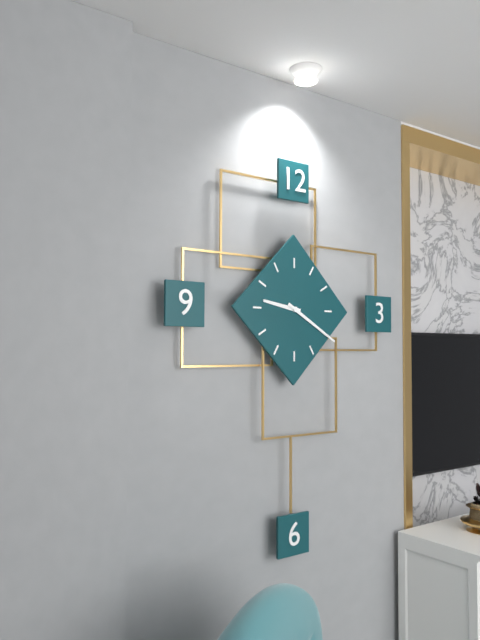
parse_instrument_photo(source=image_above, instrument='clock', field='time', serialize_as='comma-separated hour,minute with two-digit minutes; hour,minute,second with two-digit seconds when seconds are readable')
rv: 9,20
